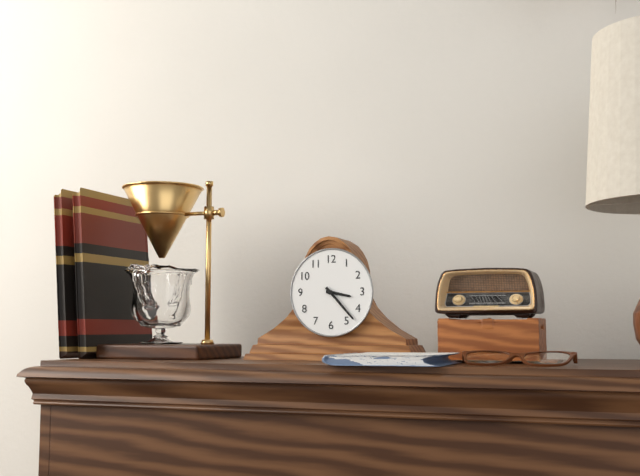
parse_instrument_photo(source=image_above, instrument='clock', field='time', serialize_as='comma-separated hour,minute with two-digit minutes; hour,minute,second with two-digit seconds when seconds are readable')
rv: 3,23
